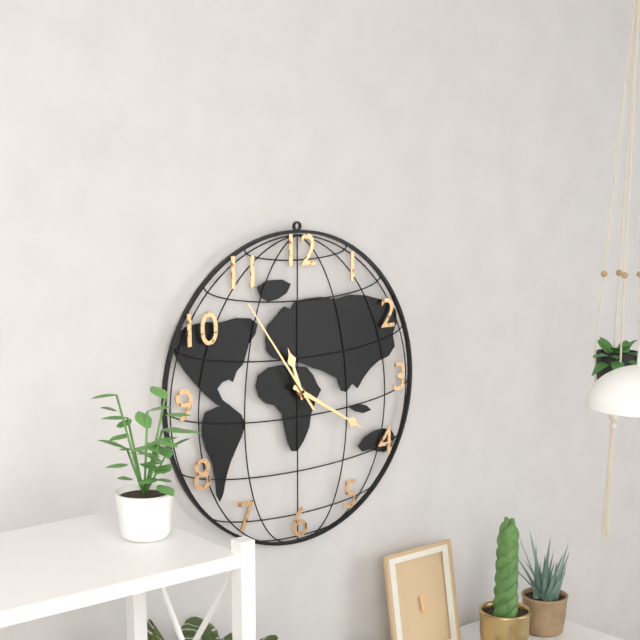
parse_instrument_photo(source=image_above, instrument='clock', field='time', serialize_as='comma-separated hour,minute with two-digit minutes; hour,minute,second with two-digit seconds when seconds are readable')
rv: 11,20,54
